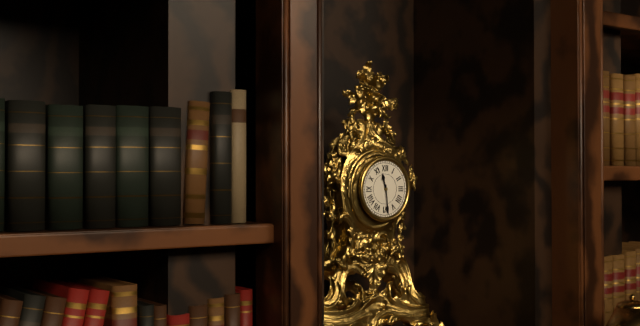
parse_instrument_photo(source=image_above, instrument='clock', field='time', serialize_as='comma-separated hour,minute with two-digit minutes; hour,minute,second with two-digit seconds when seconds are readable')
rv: 11,29
